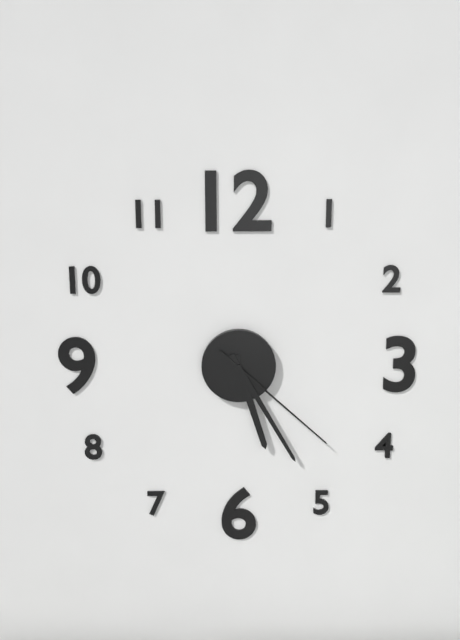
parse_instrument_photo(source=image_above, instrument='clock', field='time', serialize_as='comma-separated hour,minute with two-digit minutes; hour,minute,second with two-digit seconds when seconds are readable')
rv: 5,25,22
